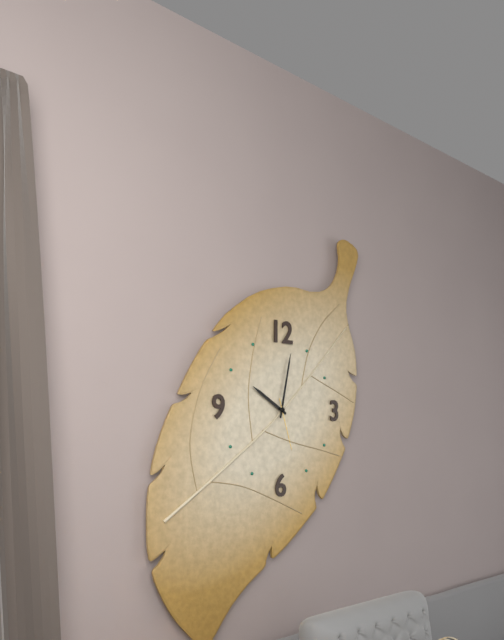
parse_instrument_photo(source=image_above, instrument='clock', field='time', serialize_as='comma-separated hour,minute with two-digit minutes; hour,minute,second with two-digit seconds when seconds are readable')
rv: 10,02,27
